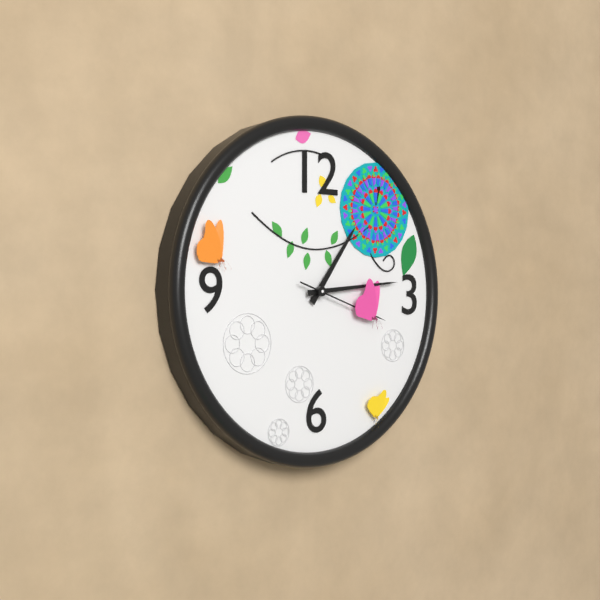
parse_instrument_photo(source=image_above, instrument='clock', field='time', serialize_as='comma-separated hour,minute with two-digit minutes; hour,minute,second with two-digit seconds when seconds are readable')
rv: 1,14,18
